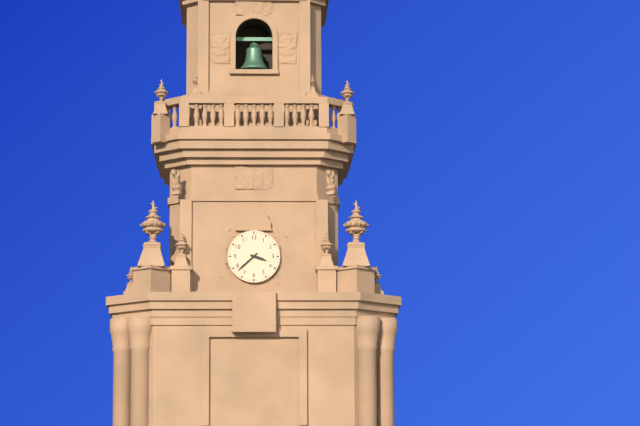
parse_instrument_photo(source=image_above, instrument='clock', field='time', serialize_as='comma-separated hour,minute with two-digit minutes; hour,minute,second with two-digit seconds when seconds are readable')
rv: 3,38
